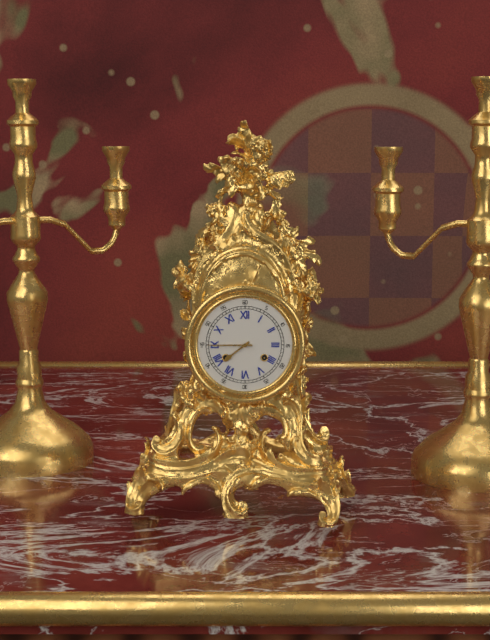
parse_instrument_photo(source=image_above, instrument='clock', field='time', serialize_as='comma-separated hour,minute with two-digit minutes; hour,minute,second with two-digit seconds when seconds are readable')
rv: 7,45
